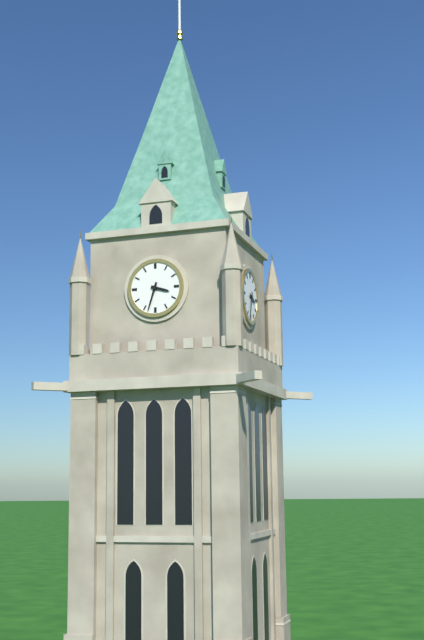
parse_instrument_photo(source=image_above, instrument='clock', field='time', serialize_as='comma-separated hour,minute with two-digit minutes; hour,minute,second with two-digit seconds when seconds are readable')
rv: 3,33
